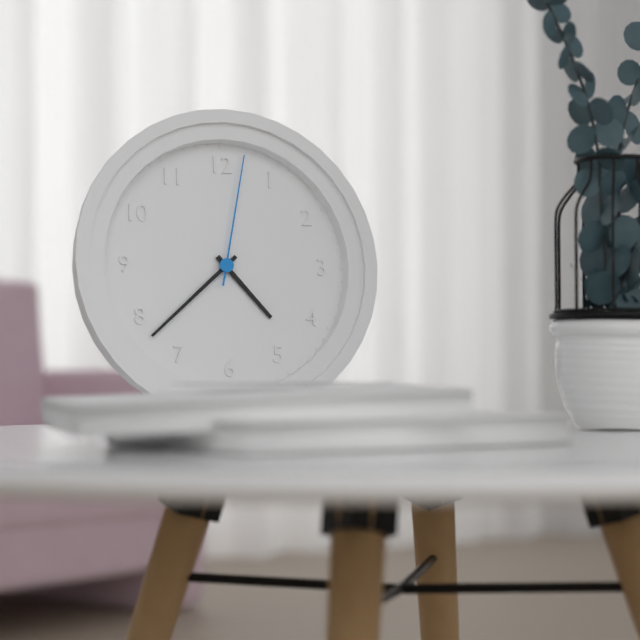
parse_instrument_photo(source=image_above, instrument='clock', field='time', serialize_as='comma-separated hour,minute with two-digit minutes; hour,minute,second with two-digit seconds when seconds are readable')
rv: 4,38,02
